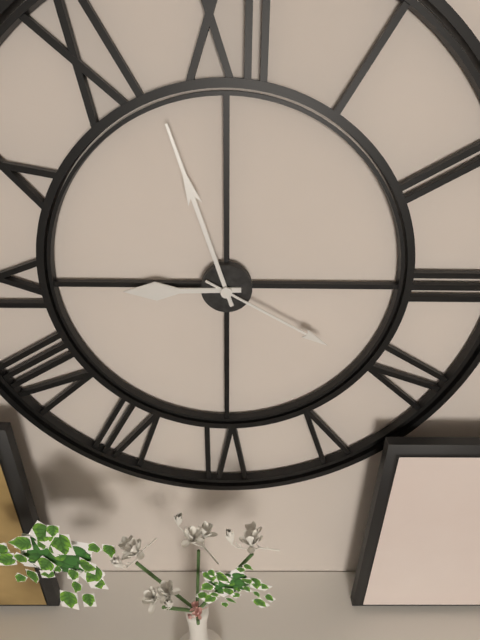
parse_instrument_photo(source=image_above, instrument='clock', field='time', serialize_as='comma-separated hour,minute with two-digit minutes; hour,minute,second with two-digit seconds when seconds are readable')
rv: 8,57,20
